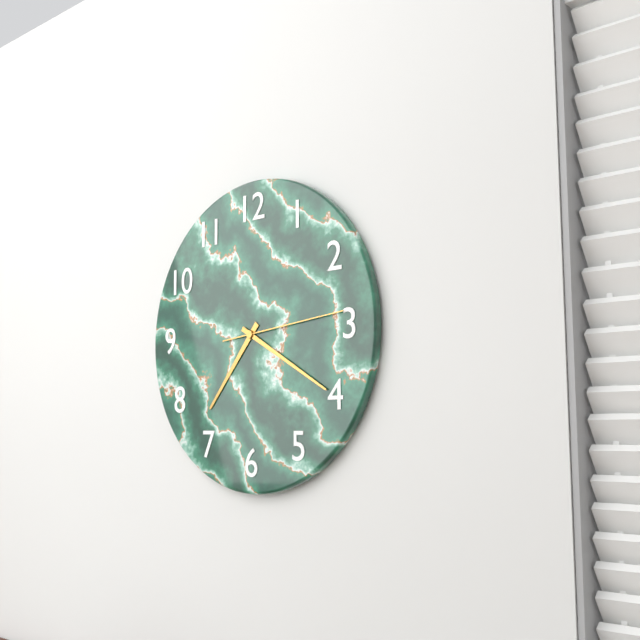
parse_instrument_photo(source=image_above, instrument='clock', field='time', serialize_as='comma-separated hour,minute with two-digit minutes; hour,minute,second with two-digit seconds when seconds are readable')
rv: 7,20,14
